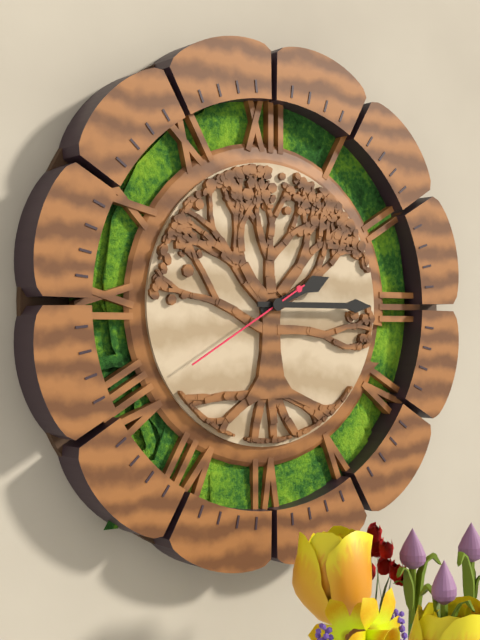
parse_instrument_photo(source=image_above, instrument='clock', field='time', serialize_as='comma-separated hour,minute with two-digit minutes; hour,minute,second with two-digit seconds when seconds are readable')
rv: 2,15,40
